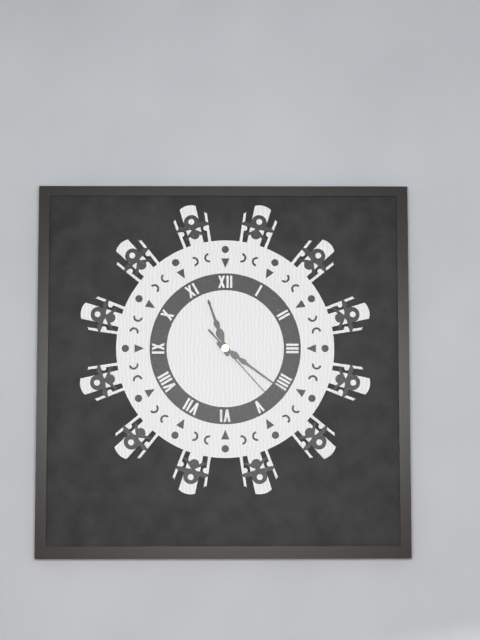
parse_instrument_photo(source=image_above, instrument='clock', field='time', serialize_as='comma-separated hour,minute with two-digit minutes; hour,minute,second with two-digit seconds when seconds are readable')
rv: 11,21,23
